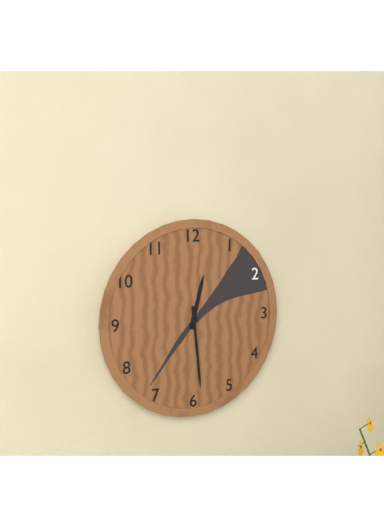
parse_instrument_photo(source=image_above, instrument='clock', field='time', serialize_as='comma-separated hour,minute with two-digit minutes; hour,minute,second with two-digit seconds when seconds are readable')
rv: 12,29
